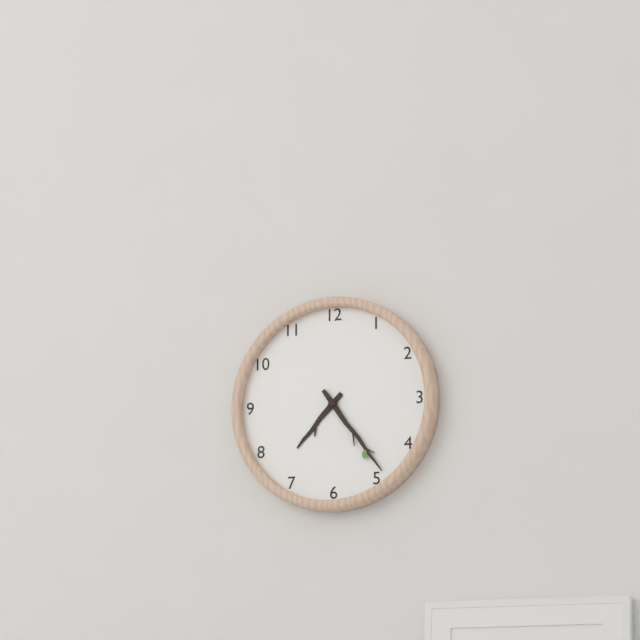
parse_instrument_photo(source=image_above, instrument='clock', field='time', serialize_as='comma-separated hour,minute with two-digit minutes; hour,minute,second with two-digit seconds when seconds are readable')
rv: 7,24
